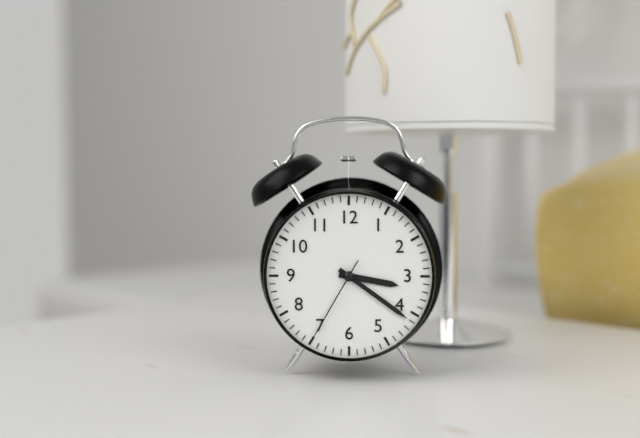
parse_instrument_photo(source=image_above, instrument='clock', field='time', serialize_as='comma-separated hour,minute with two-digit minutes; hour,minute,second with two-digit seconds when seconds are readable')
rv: 3,21,35
